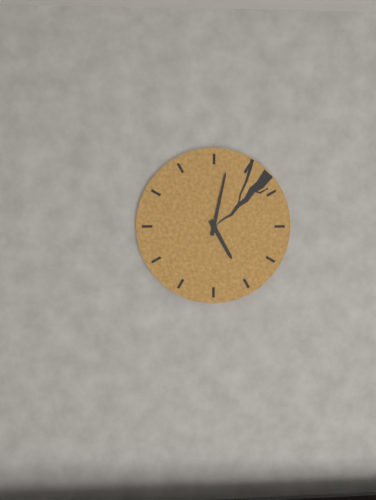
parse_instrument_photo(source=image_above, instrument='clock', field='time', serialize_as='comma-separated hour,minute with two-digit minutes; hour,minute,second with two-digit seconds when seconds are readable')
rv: 5,02
